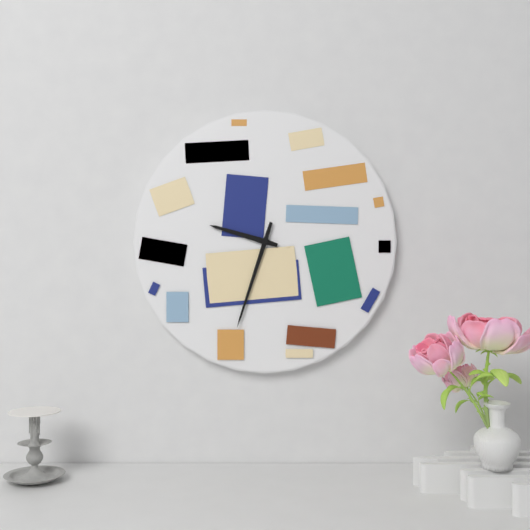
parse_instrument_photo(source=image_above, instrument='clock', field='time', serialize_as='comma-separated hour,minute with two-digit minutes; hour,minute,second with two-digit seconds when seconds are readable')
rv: 9,33
